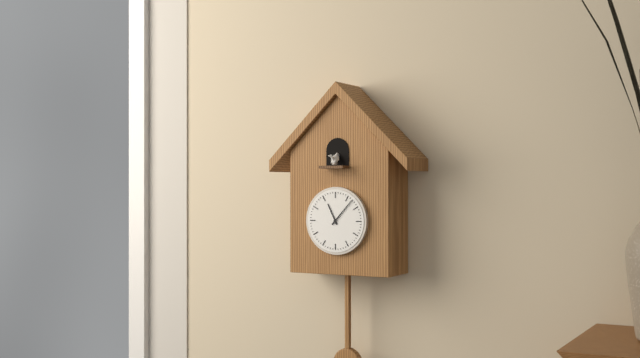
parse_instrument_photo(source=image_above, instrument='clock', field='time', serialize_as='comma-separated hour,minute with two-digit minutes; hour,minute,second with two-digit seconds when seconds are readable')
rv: 11,07
